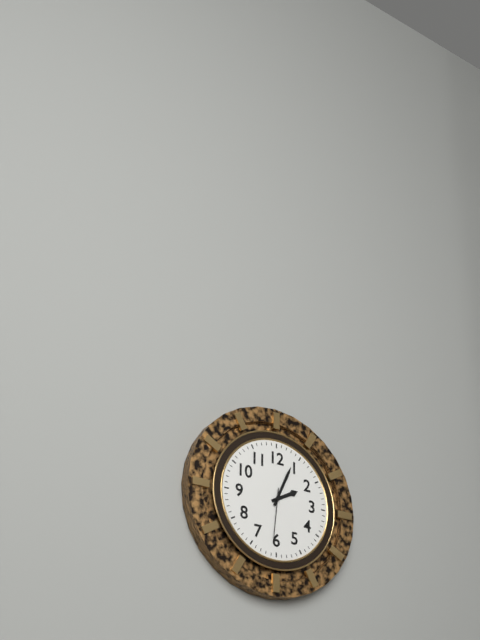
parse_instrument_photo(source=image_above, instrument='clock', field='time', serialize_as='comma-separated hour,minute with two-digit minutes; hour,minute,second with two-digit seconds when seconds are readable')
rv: 2,04,31
